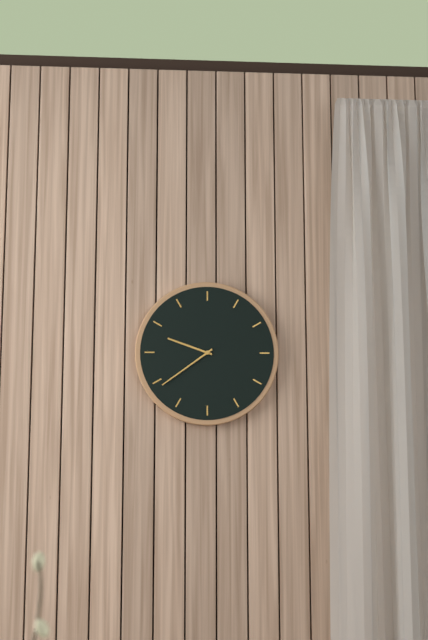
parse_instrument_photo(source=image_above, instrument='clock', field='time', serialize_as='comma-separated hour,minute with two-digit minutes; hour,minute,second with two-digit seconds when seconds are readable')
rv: 9,39
